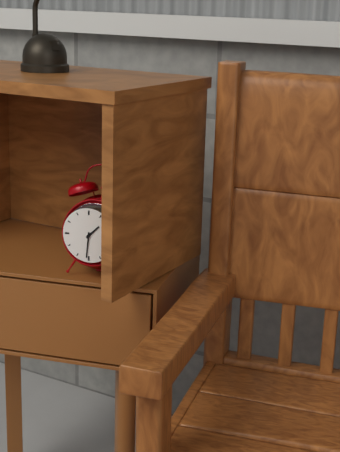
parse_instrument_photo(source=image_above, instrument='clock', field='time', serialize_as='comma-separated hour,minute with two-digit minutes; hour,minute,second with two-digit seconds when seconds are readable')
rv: 1,31
